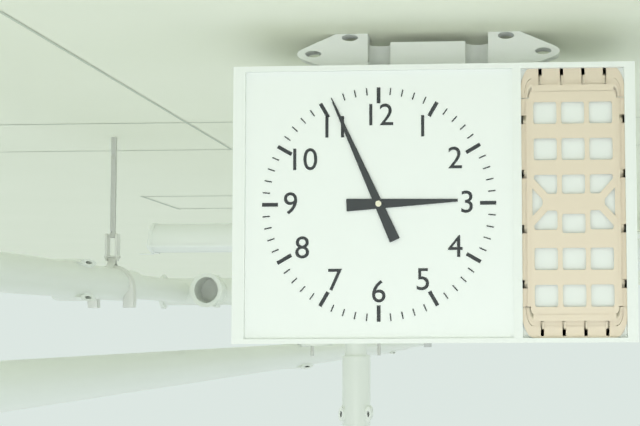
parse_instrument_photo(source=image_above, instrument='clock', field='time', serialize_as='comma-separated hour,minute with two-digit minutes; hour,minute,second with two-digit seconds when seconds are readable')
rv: 2,56
